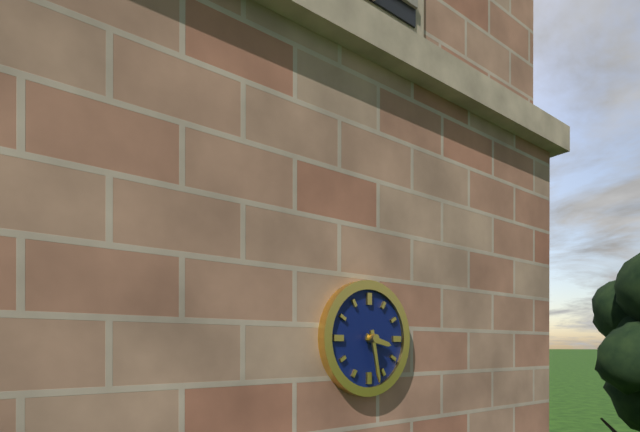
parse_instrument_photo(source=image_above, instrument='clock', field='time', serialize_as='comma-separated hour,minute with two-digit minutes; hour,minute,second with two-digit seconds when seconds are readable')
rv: 3,28
